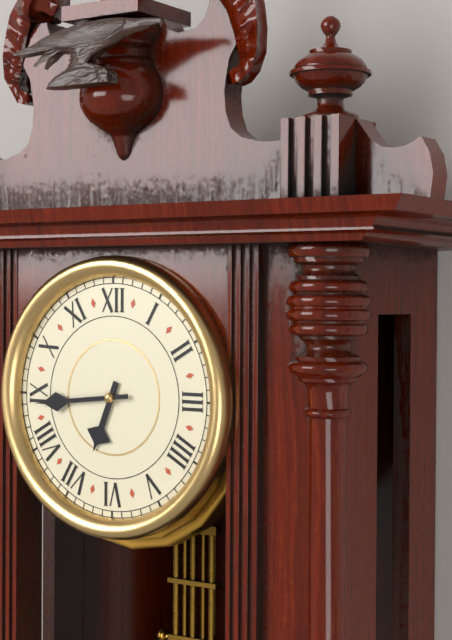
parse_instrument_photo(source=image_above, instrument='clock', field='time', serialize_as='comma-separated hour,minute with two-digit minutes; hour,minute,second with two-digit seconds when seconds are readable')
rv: 6,44
